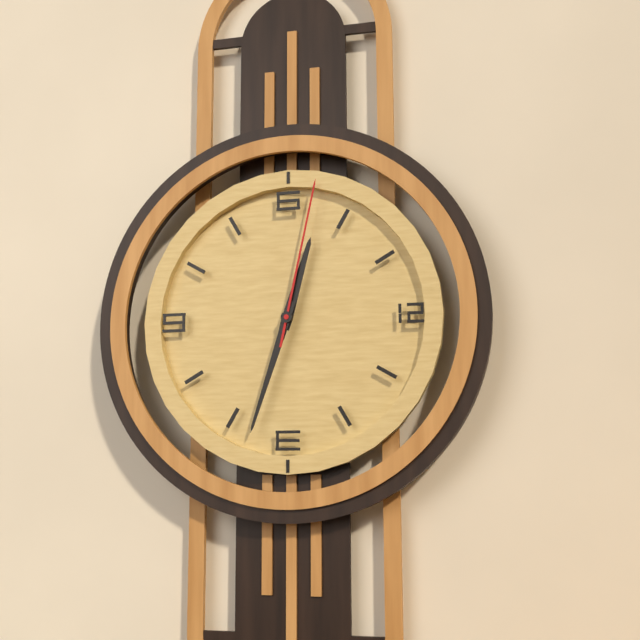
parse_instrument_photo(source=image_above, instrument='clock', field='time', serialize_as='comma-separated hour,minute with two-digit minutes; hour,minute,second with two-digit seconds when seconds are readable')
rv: 12,33,02
